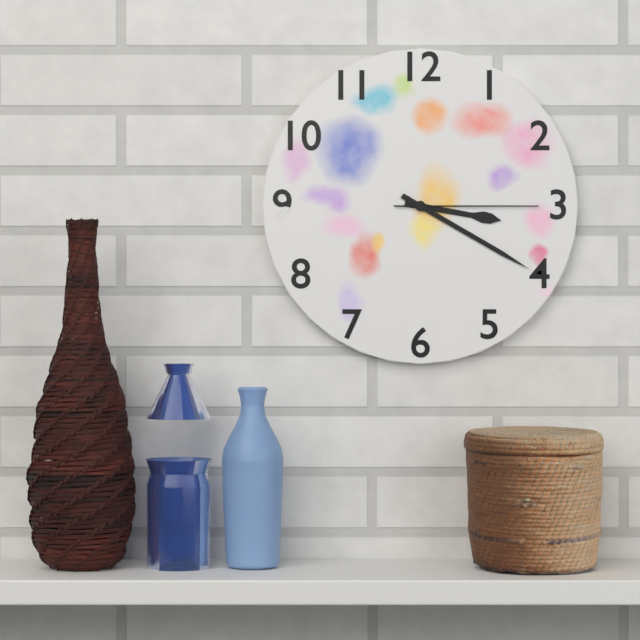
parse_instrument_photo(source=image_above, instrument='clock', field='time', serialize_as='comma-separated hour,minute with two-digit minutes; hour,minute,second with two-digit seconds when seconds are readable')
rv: 3,20,15
